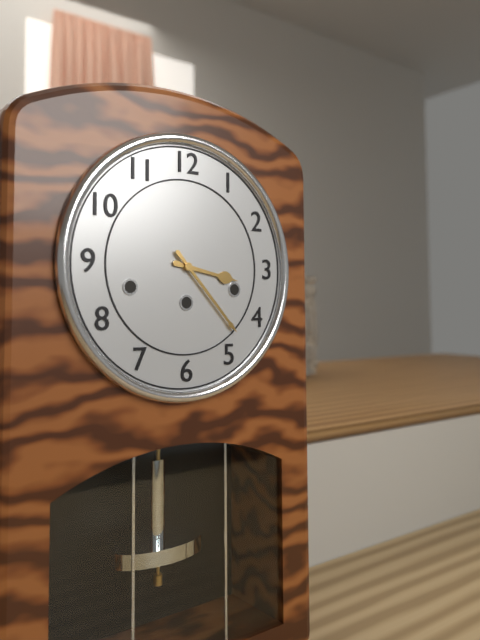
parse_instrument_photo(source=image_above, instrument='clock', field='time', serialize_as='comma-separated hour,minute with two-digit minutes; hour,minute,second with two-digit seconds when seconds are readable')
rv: 3,23
